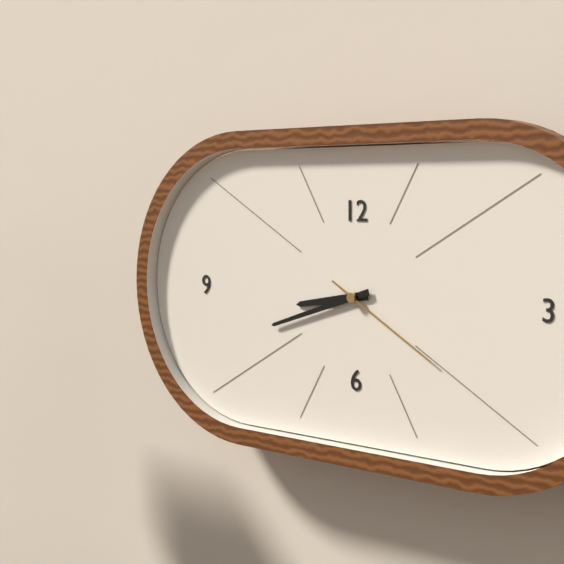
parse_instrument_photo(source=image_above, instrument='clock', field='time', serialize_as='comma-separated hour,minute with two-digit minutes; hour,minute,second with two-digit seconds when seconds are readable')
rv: 8,42,20
